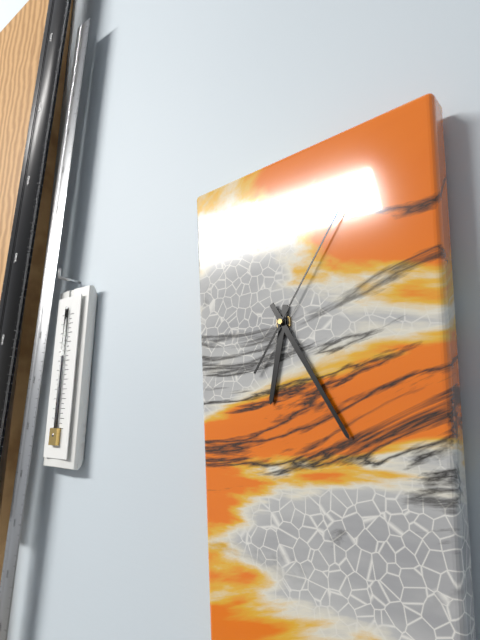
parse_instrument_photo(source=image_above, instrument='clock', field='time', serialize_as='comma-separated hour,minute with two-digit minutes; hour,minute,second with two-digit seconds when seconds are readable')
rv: 6,25,06
